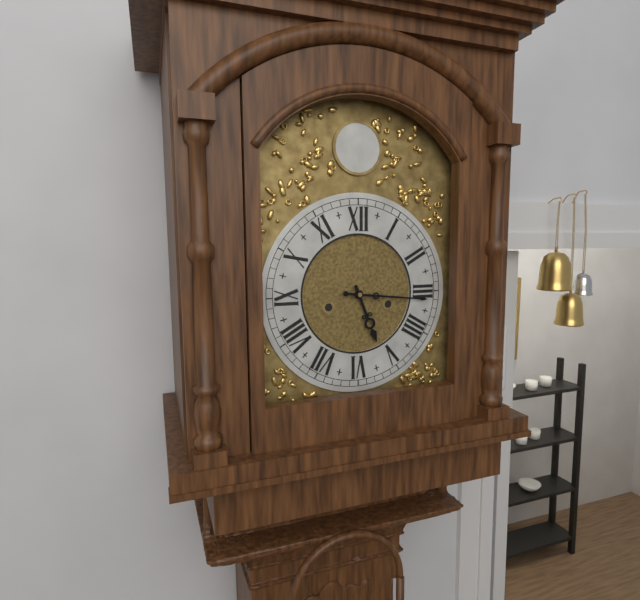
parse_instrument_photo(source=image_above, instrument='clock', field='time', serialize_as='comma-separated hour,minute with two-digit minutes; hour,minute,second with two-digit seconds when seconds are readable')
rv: 5,16
